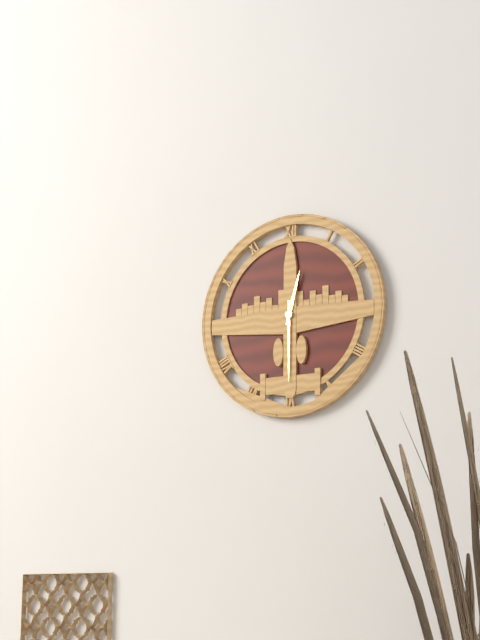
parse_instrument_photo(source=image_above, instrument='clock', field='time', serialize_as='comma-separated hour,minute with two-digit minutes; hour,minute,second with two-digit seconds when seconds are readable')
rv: 12,30
